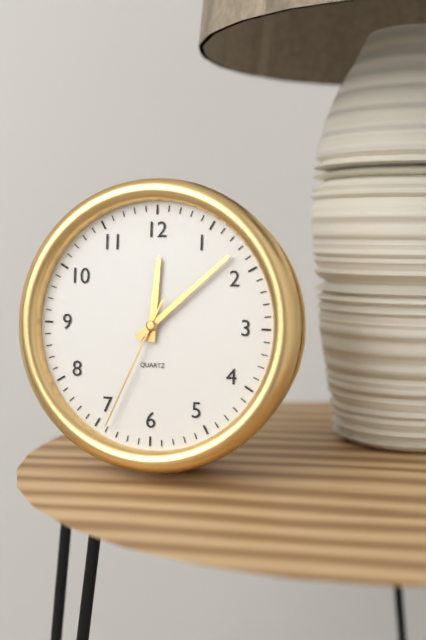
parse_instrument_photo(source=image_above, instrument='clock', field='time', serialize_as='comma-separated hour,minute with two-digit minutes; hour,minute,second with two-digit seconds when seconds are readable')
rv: 12,08,34
